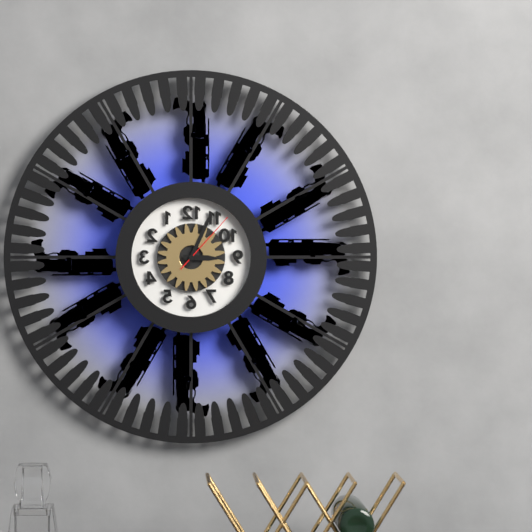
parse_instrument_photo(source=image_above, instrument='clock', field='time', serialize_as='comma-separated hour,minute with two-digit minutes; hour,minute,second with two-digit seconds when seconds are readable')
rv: 3,04,07
